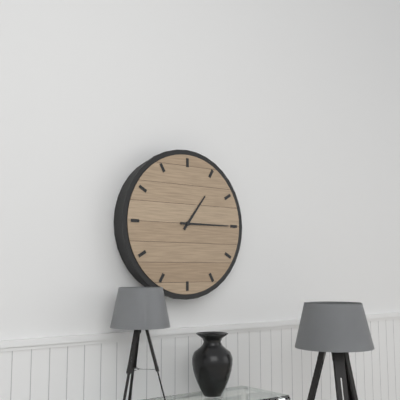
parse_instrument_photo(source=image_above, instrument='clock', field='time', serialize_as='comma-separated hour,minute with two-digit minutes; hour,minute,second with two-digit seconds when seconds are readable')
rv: 1,15
